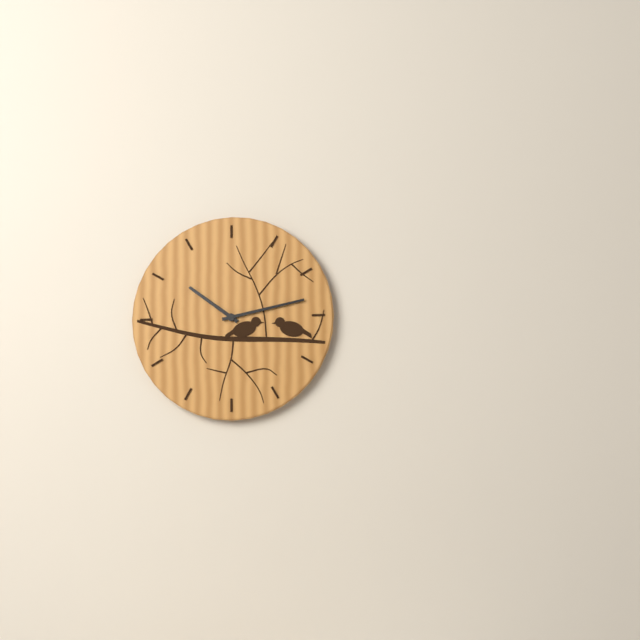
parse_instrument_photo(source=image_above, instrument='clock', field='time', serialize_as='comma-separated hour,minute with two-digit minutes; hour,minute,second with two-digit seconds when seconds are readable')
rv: 10,13
